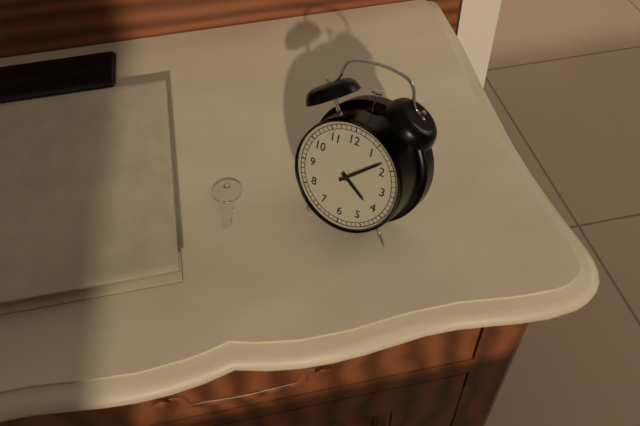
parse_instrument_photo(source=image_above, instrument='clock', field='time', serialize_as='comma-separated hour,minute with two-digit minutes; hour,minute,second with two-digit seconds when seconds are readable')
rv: 4,08
